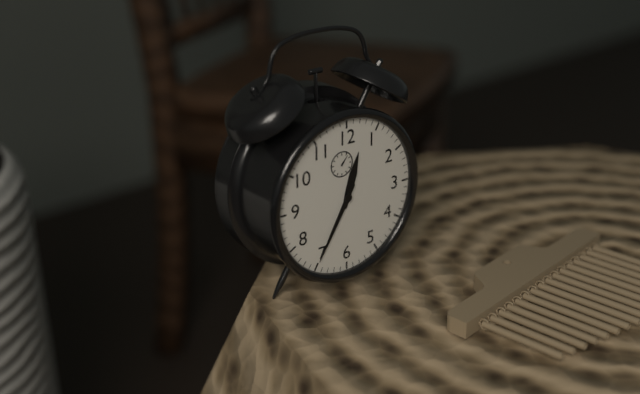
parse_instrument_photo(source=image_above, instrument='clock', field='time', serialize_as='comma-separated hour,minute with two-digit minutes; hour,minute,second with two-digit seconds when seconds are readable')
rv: 12,35
